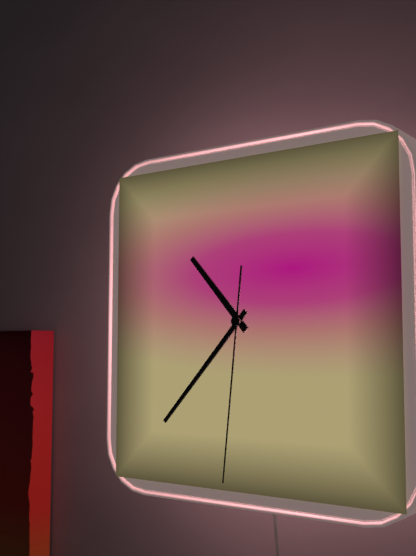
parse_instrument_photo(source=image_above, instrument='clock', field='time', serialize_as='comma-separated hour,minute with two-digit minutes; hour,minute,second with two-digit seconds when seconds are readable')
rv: 10,37,31
